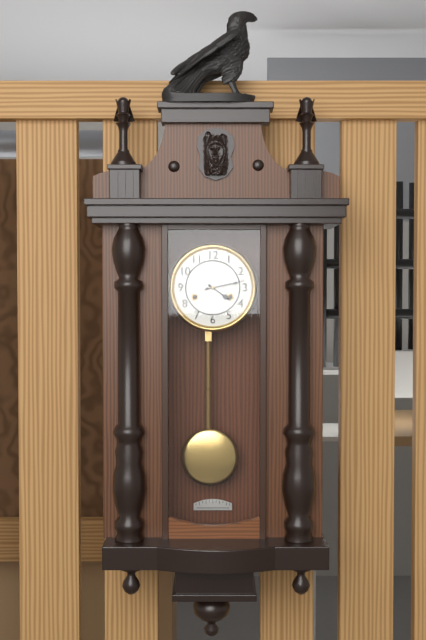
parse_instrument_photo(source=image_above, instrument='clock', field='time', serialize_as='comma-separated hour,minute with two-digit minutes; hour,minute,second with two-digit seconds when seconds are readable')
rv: 4,13
